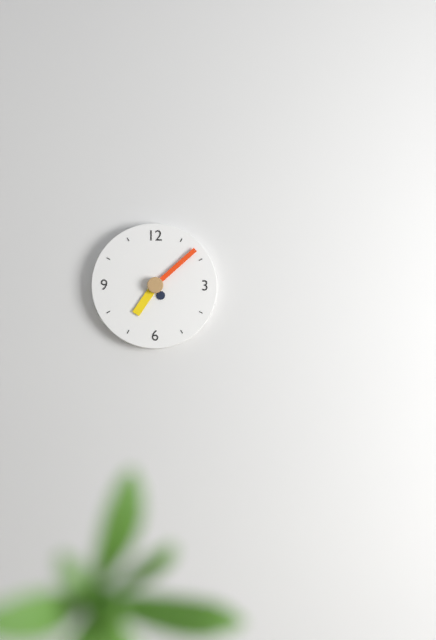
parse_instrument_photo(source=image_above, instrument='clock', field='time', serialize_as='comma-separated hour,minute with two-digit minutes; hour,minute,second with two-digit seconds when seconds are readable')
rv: 7,08
